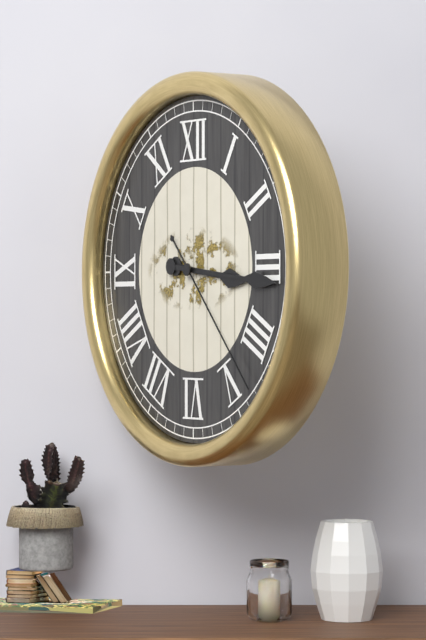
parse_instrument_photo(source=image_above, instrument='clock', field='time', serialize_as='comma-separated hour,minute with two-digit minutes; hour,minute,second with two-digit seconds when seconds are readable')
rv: 3,16,23
